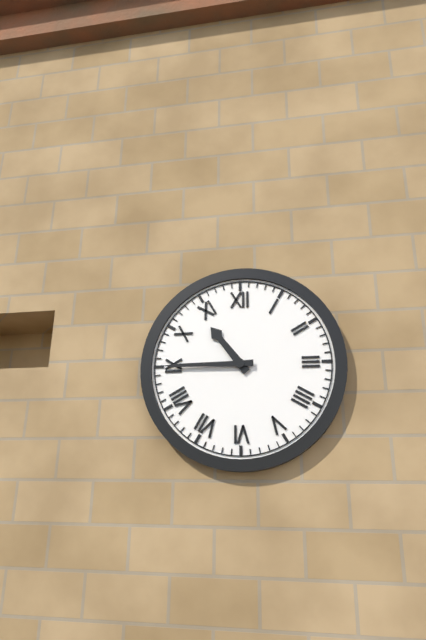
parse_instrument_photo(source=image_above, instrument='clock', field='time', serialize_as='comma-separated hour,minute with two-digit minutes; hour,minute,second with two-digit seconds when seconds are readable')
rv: 10,45
